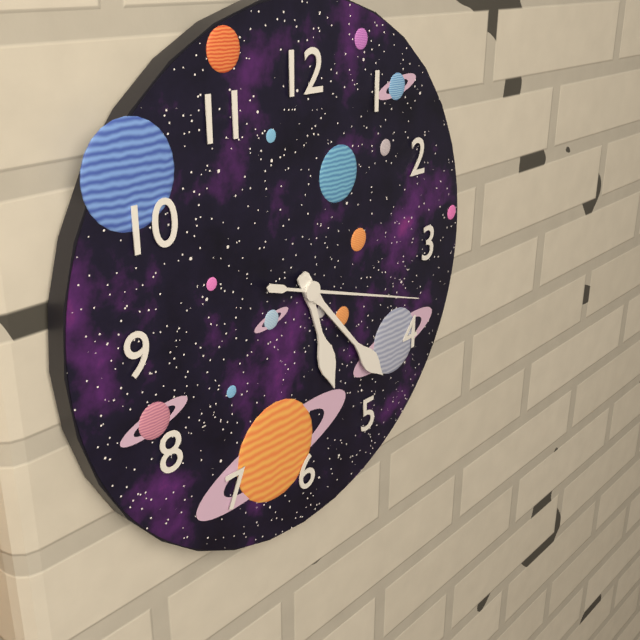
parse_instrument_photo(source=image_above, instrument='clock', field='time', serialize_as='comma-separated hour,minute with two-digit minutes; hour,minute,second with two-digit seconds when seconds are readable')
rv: 5,23,18
